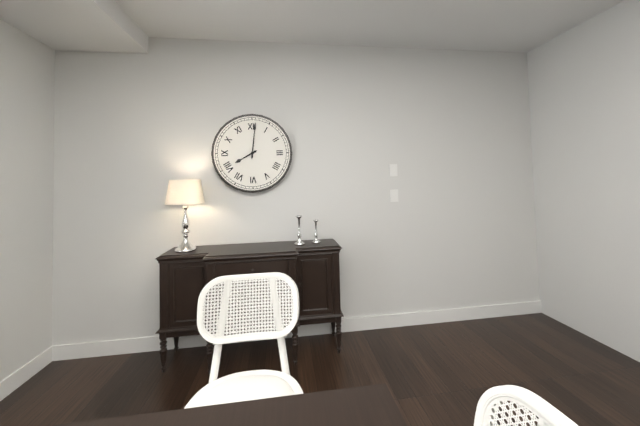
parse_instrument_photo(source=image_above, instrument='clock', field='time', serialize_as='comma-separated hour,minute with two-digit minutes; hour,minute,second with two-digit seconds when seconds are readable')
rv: 8,01
